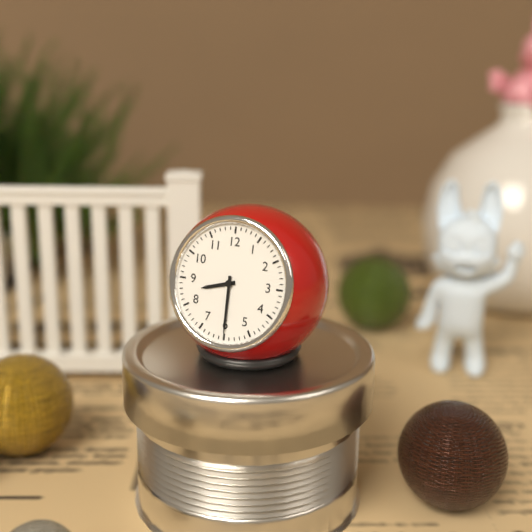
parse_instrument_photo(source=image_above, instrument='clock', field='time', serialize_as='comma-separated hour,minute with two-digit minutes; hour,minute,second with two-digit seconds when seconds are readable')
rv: 8,30
